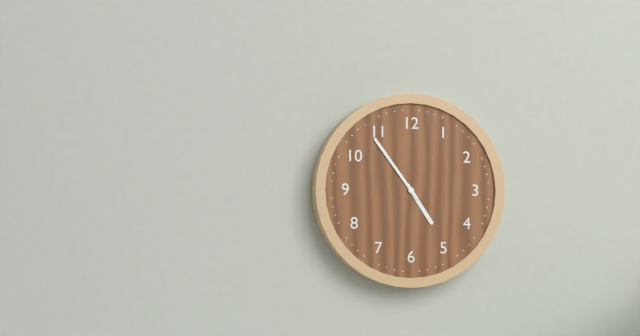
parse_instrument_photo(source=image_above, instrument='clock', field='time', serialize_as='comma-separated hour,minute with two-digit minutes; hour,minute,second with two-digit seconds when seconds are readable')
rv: 4,54
